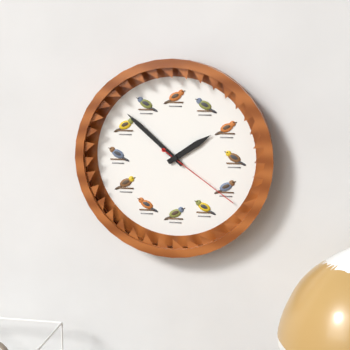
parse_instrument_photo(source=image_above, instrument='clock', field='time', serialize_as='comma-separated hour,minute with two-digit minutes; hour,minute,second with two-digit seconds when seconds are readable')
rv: 1,52,21
